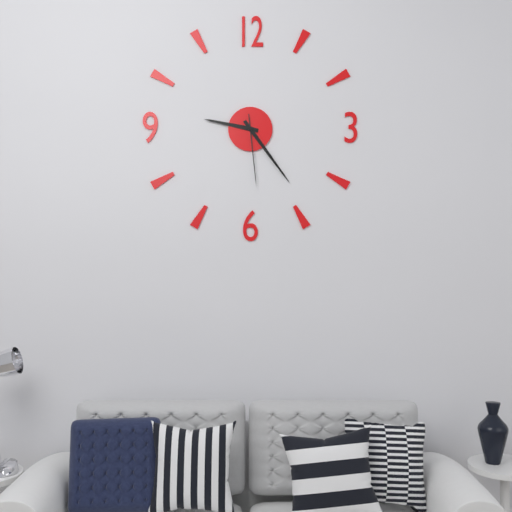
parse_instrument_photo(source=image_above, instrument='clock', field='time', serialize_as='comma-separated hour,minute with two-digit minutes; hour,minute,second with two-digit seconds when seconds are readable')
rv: 9,24,29
